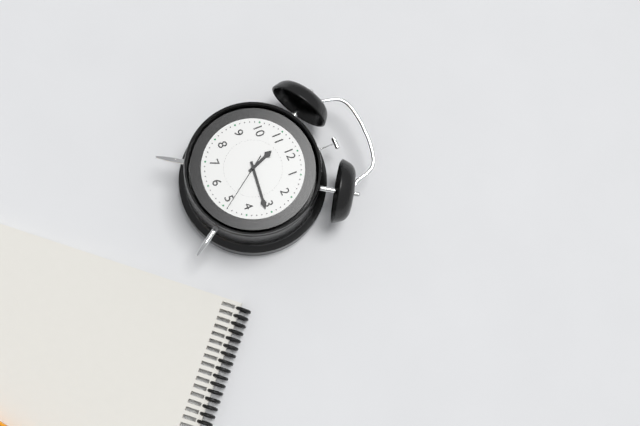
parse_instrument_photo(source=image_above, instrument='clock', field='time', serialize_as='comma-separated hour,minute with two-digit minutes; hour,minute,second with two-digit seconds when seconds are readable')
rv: 11,16,24
